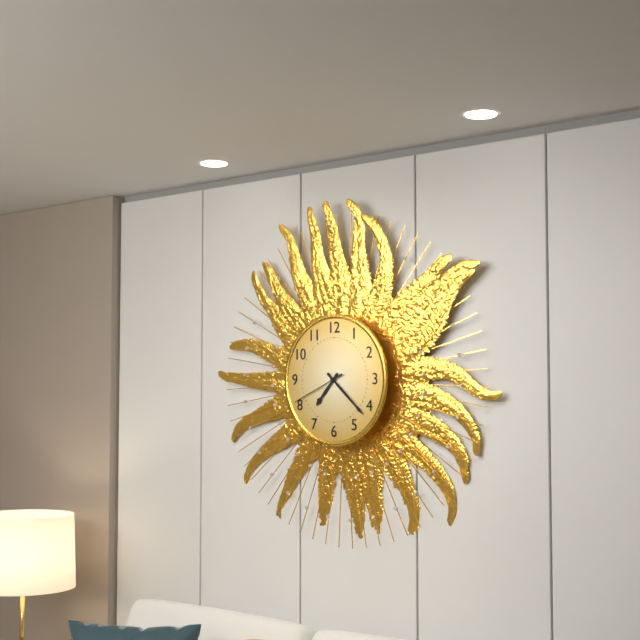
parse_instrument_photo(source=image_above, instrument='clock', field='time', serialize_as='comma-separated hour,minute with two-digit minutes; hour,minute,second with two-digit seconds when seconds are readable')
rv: 7,22,41
